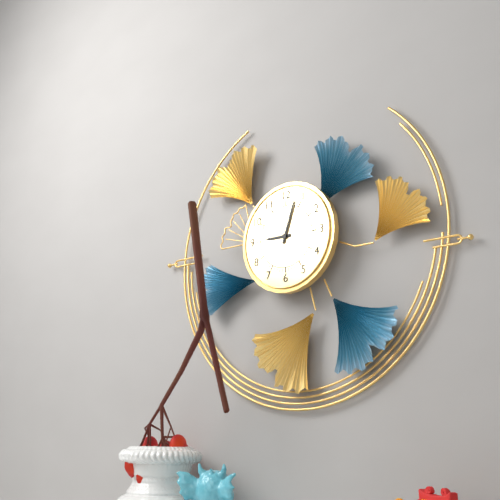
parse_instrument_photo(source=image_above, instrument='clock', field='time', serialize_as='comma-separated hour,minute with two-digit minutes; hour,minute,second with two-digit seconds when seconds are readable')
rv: 9,03
